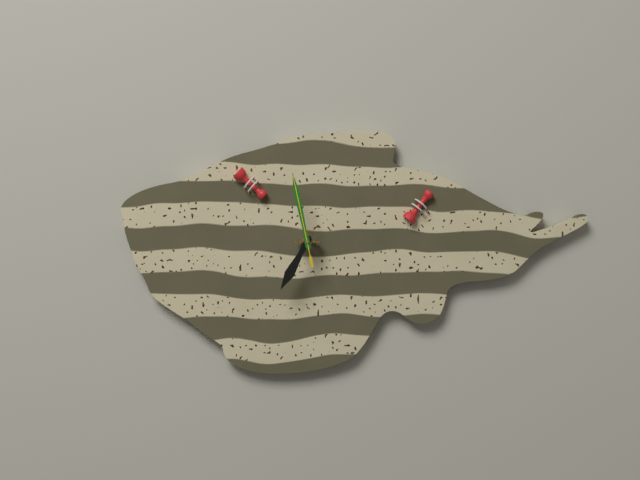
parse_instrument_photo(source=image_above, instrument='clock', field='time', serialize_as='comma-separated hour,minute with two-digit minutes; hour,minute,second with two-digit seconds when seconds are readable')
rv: 6,58,58
